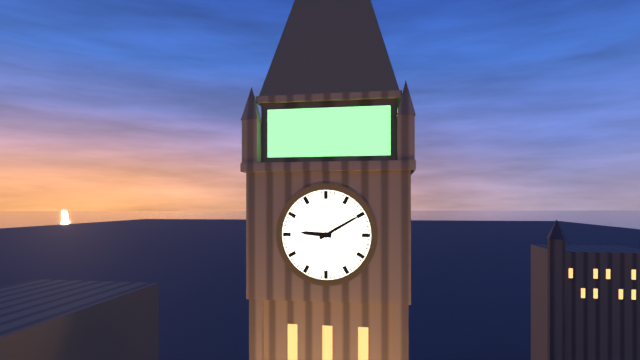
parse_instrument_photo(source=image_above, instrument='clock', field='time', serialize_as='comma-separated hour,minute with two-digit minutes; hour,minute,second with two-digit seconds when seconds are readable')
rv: 9,10
